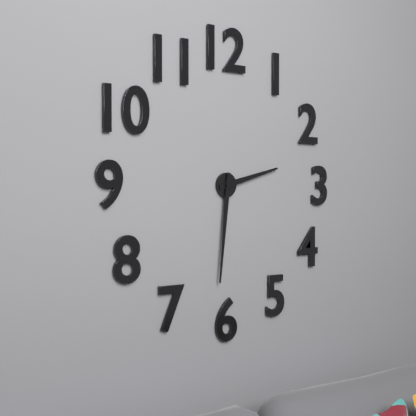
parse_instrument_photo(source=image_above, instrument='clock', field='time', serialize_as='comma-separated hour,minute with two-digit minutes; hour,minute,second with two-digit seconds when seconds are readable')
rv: 2,31
